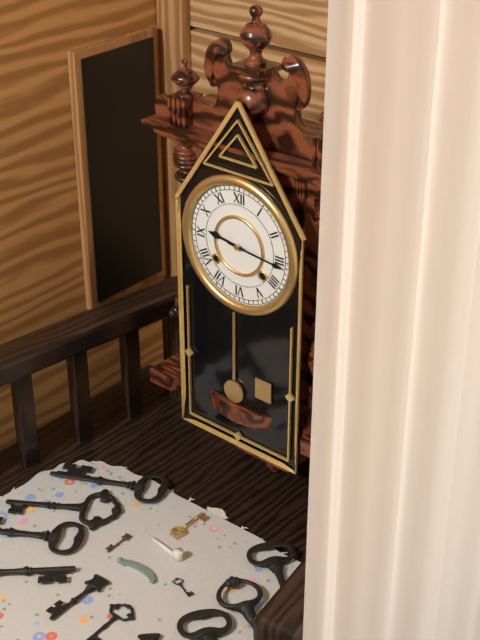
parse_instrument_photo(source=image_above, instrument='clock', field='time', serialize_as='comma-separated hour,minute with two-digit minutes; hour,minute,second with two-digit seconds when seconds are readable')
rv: 9,16
